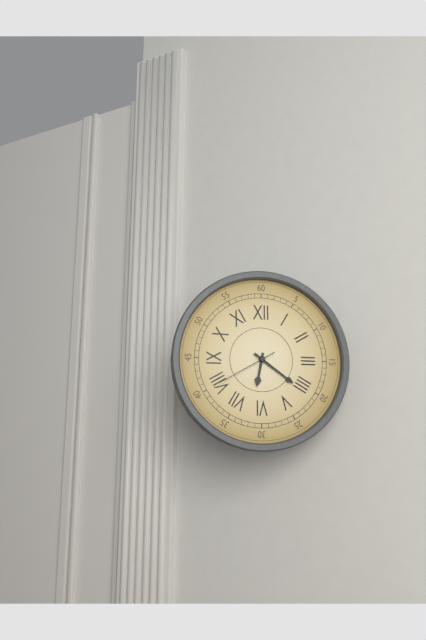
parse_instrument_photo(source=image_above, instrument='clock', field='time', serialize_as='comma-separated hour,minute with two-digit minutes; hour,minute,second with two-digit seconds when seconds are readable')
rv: 6,21,40
